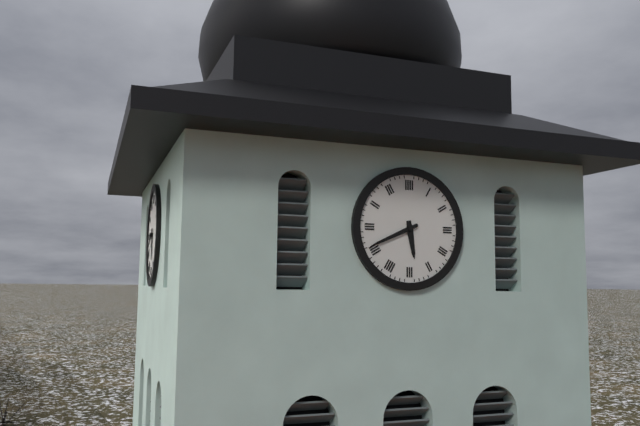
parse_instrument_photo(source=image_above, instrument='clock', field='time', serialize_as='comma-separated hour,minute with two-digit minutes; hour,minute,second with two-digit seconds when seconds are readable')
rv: 5,41
